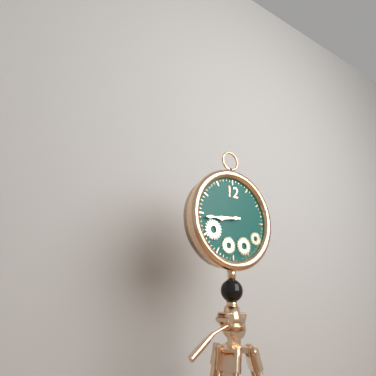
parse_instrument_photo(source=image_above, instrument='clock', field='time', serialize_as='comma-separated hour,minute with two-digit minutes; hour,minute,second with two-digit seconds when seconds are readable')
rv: 8,44
